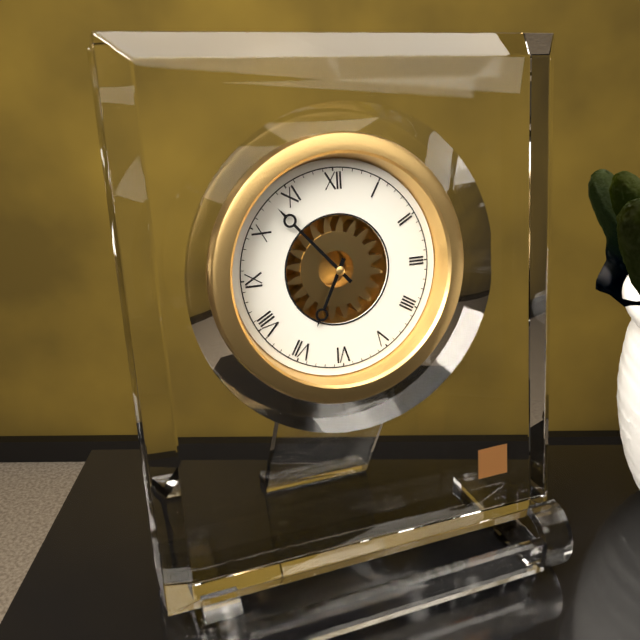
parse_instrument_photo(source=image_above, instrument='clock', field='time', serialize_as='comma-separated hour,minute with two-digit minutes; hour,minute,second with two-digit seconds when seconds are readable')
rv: 6,53
